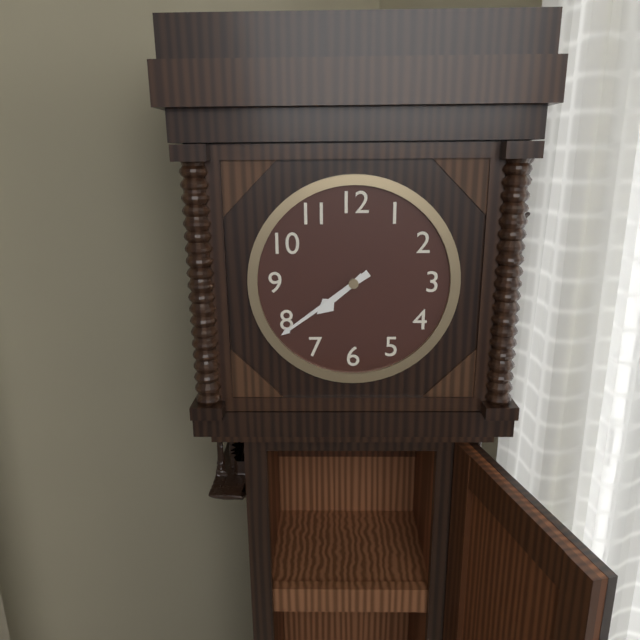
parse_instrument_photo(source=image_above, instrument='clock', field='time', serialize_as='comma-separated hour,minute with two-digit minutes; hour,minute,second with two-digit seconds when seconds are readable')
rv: 7,39
